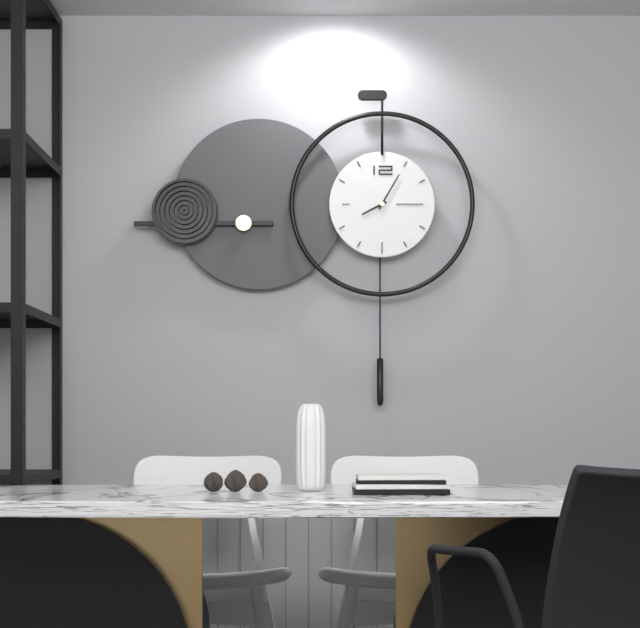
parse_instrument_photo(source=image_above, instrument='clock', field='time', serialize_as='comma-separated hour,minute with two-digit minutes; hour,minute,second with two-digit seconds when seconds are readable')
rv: 8,05
